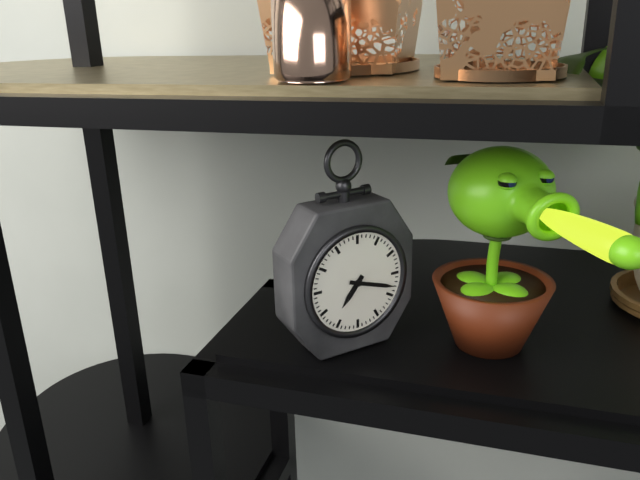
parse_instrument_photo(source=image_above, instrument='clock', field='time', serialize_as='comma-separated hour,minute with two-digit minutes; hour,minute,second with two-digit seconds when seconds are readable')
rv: 7,18
